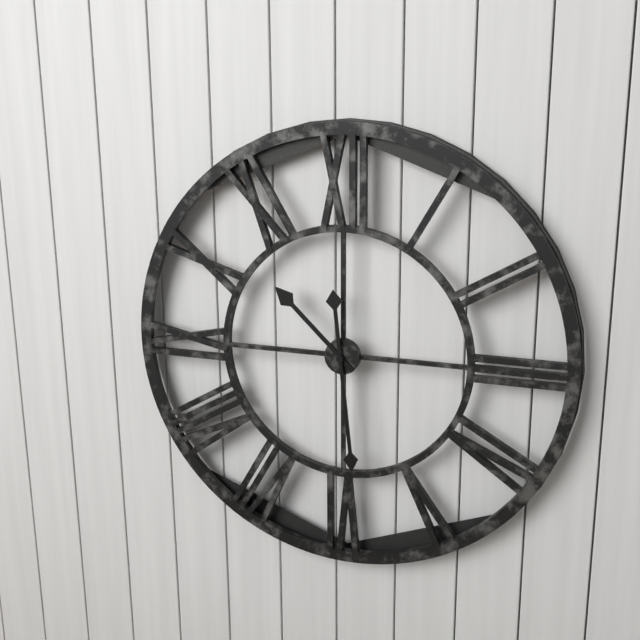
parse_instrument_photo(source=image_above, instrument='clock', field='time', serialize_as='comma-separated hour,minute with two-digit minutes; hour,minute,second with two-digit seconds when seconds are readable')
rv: 10,29
